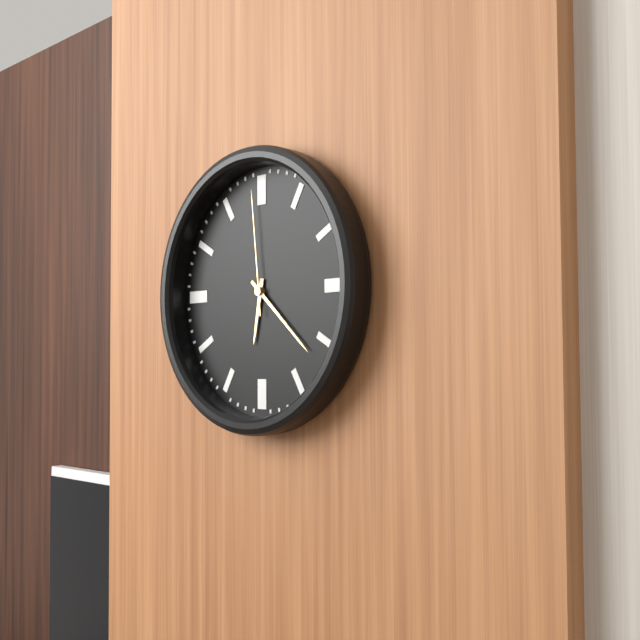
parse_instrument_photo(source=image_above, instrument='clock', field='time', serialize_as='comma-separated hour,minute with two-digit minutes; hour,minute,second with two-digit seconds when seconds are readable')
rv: 6,22,59
